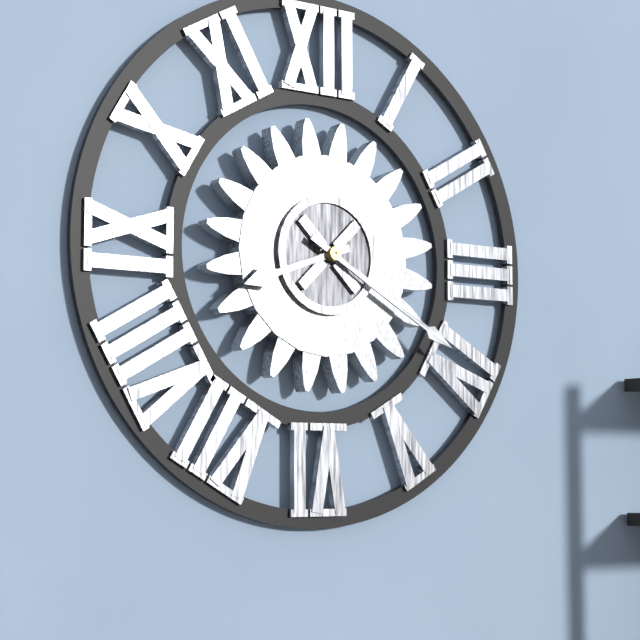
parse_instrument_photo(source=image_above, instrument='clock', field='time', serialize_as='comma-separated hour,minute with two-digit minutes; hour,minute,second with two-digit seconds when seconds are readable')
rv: 8,20
